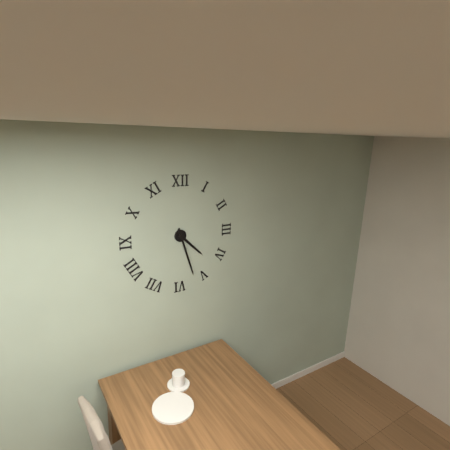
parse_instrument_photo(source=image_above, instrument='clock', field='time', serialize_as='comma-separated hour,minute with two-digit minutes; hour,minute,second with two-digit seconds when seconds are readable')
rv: 4,27
